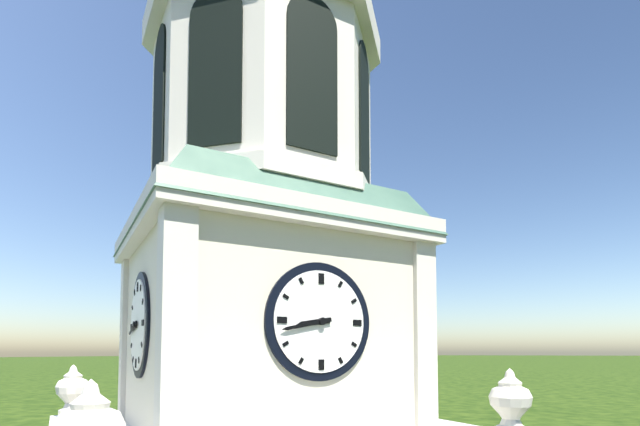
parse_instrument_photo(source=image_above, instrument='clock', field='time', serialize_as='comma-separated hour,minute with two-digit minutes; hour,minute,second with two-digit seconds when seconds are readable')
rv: 8,43
